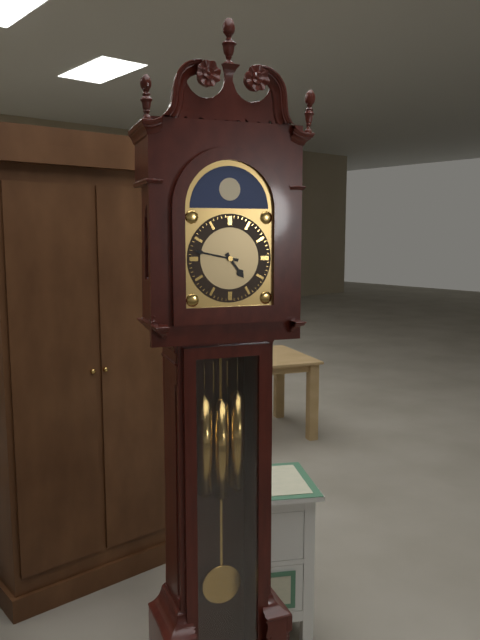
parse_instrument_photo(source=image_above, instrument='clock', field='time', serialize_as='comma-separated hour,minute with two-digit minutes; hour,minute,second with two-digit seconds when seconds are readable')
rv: 4,47
